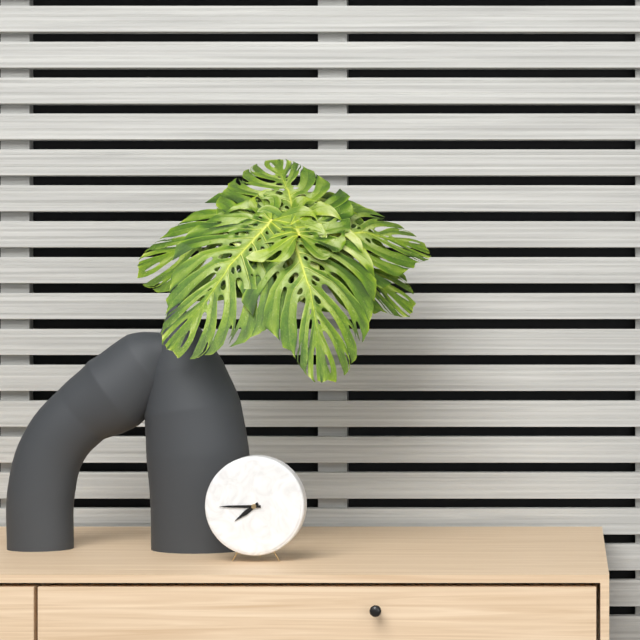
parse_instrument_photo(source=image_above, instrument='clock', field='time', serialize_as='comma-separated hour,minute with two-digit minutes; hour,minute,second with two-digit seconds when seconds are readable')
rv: 7,45
